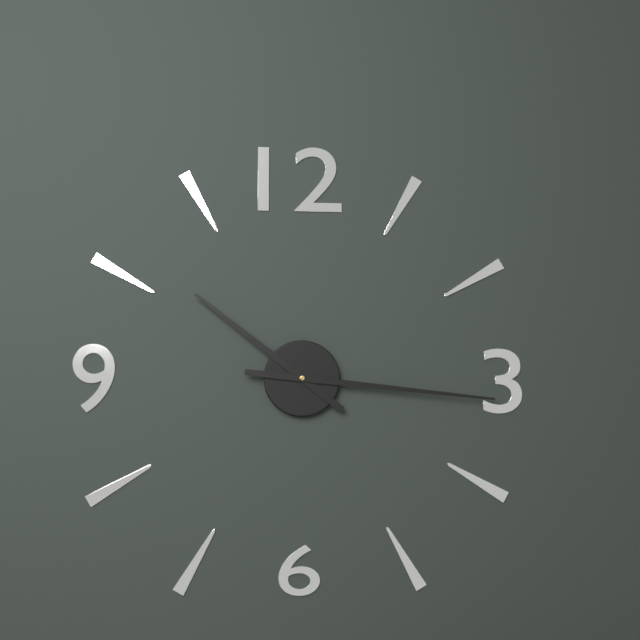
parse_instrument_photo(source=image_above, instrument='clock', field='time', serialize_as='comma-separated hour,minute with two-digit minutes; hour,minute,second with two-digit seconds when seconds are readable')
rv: 10,16
